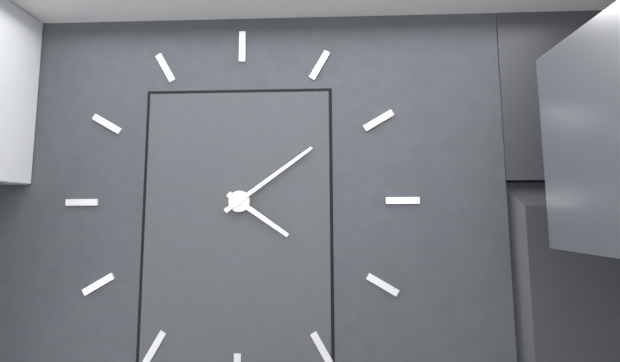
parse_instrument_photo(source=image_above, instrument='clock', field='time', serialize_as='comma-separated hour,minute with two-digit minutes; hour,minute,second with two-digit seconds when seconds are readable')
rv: 4,09
